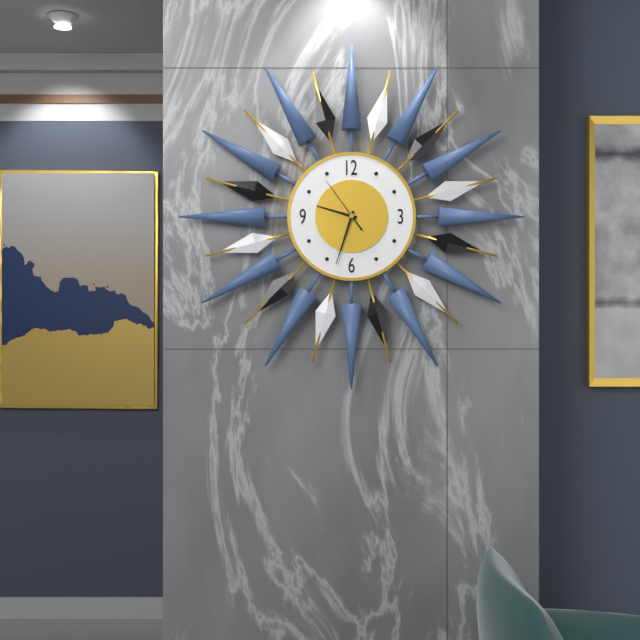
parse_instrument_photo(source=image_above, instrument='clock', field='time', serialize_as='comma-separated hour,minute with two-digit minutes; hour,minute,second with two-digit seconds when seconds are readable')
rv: 9,33,54
